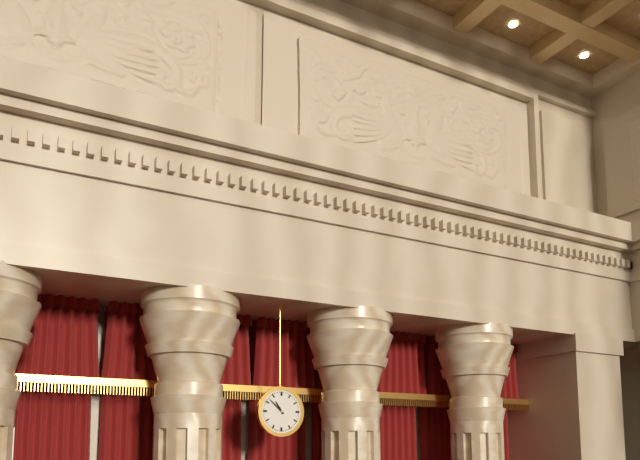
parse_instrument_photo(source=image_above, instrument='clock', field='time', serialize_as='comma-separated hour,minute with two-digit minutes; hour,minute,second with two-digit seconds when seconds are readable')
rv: 10,52
